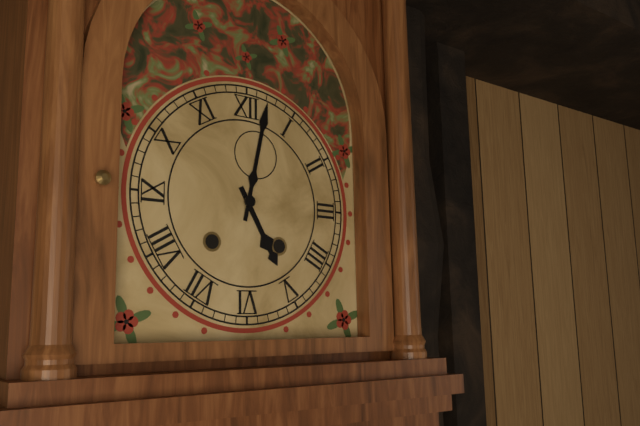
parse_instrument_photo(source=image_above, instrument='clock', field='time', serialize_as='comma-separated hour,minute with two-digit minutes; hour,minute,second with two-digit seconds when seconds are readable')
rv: 5,02
